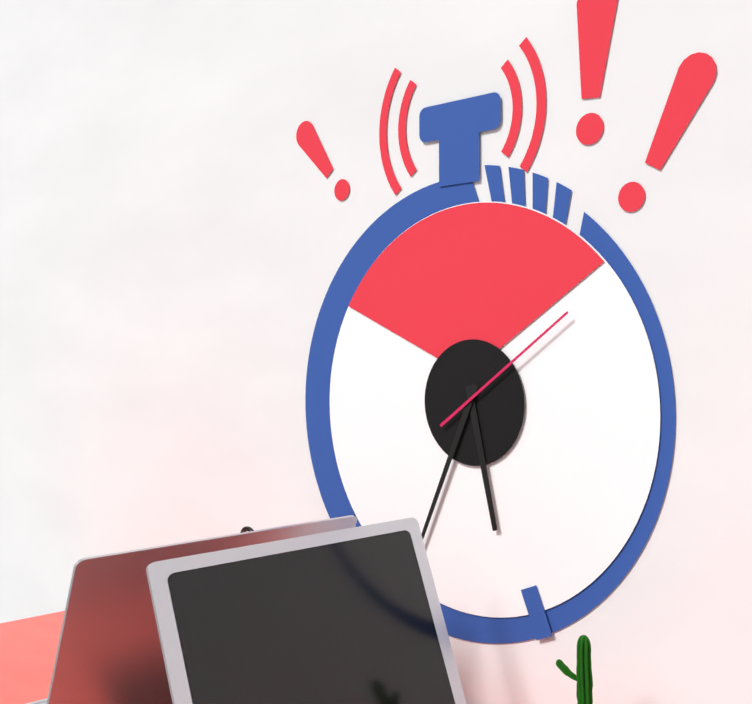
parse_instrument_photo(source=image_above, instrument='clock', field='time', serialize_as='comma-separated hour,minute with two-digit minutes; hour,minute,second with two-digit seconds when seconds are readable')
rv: 5,34,09
